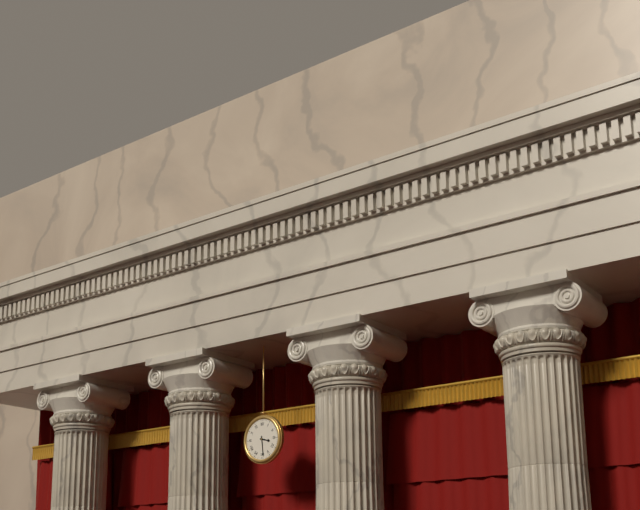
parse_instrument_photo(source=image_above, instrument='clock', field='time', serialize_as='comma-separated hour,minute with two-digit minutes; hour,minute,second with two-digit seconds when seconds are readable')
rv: 3,29
